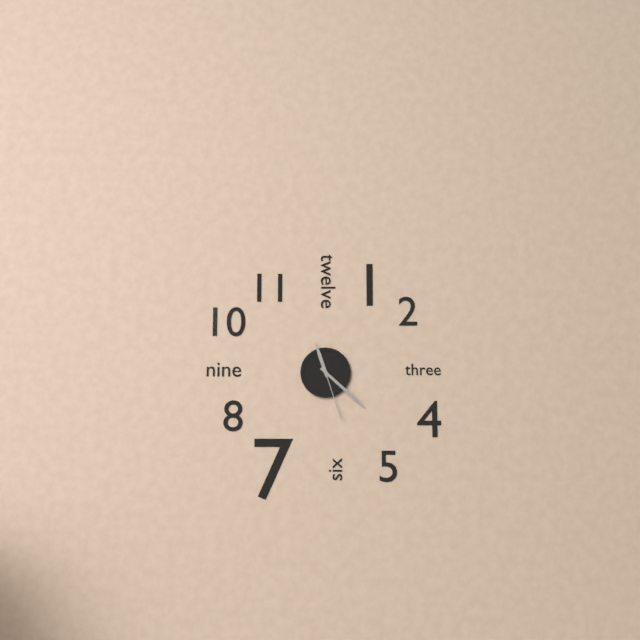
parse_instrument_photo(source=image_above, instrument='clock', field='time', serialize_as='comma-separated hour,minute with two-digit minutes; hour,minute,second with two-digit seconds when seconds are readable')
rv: 11,22,27
